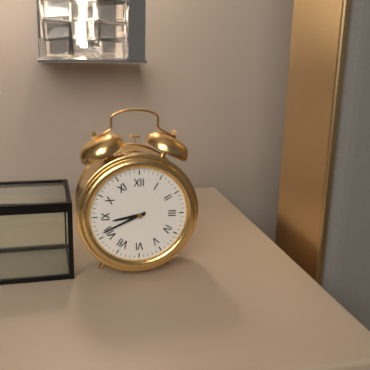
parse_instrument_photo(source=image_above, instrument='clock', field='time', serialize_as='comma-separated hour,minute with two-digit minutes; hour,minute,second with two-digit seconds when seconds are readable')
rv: 8,41
